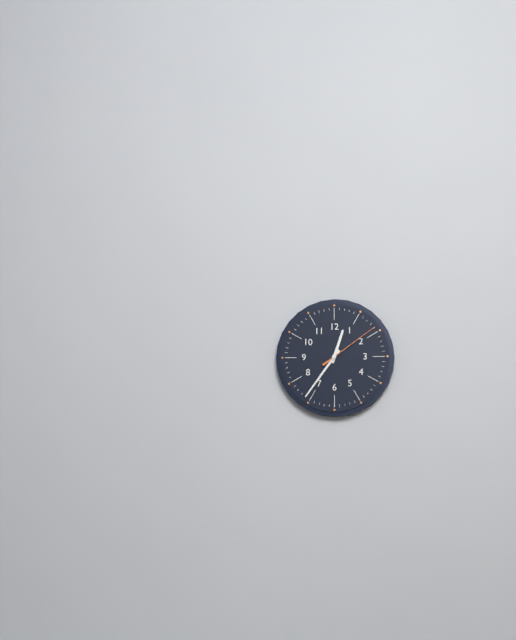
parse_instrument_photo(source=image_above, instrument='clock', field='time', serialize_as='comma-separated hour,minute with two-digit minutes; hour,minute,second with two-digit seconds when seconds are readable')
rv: 12,36,09
